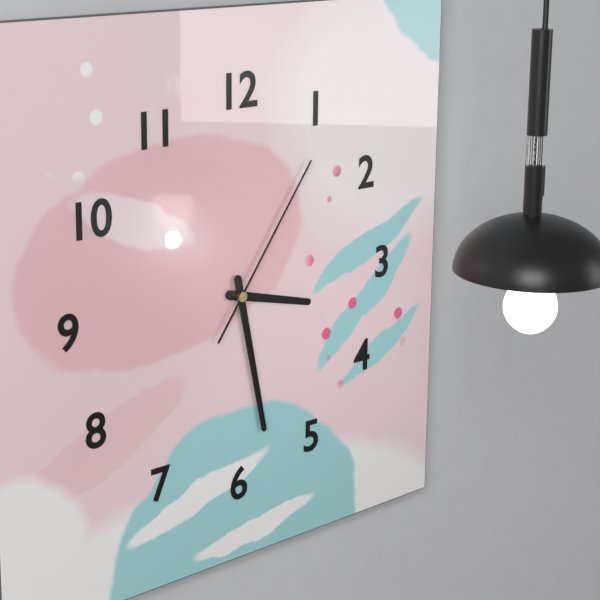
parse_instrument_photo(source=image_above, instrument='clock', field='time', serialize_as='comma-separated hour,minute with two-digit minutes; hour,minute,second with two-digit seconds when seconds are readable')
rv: 3,28,06
